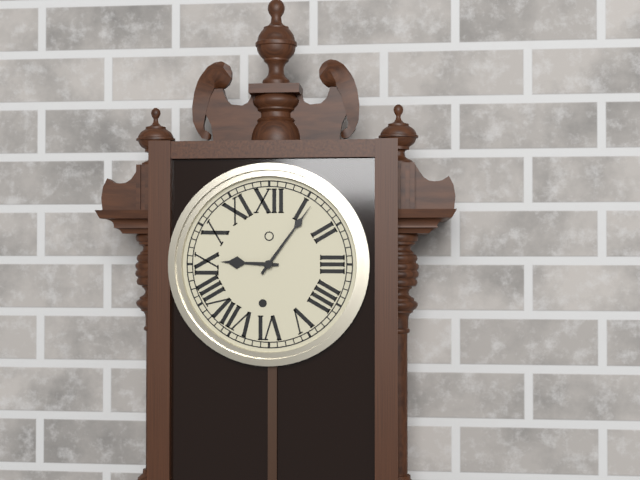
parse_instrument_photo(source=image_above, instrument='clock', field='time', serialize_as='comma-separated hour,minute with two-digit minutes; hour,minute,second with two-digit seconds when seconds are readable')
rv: 9,06
